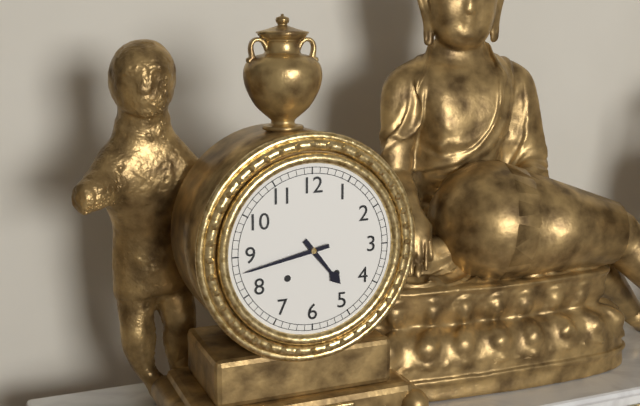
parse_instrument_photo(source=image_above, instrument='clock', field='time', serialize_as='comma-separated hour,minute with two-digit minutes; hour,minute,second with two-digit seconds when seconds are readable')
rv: 4,43
